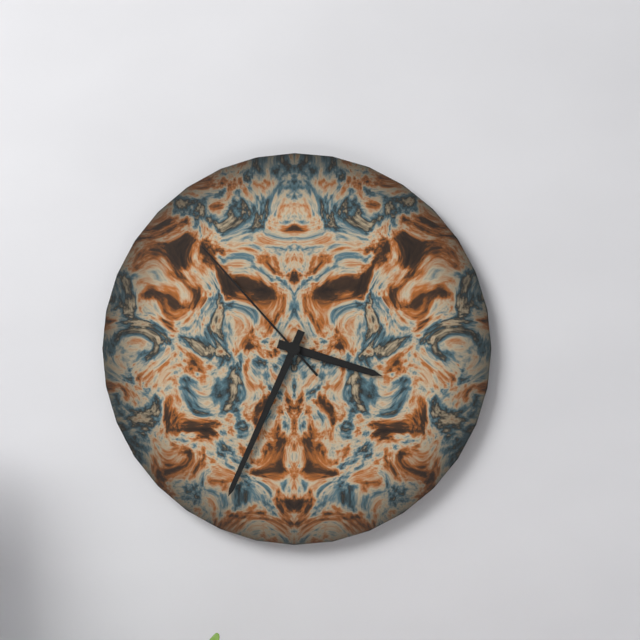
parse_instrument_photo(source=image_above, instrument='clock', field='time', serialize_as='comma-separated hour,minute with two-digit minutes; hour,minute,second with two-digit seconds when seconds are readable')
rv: 3,34,53
